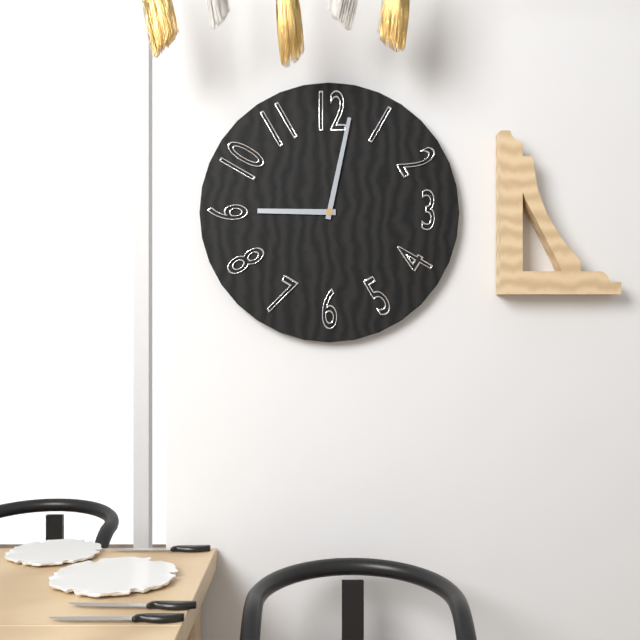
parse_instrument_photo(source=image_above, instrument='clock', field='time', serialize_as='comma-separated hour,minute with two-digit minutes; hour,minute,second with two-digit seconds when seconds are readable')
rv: 9,02
